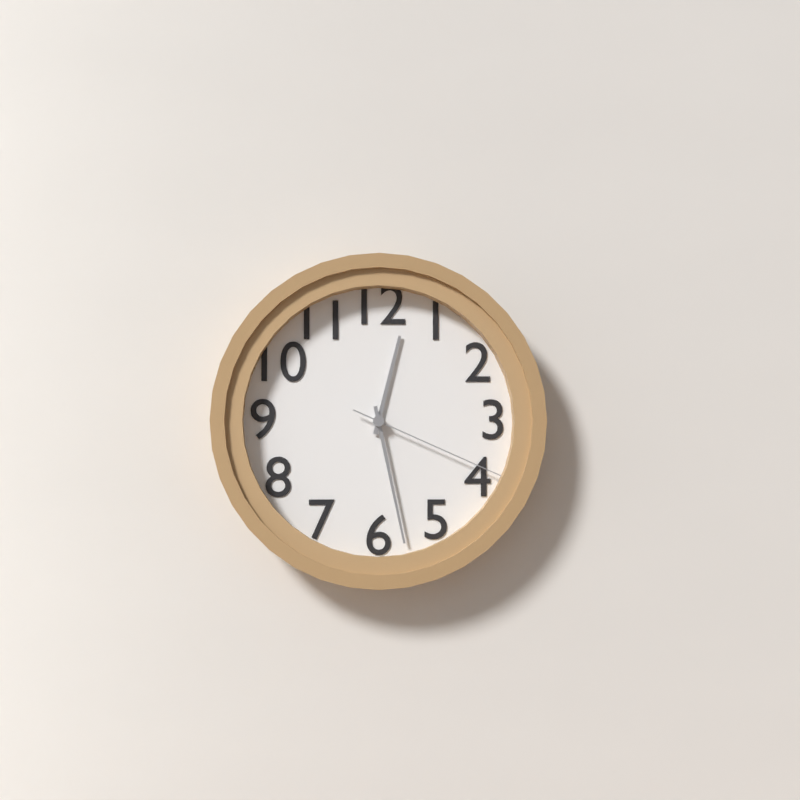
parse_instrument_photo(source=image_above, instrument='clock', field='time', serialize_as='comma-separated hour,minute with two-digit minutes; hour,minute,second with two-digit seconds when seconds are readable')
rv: 12,28,19
